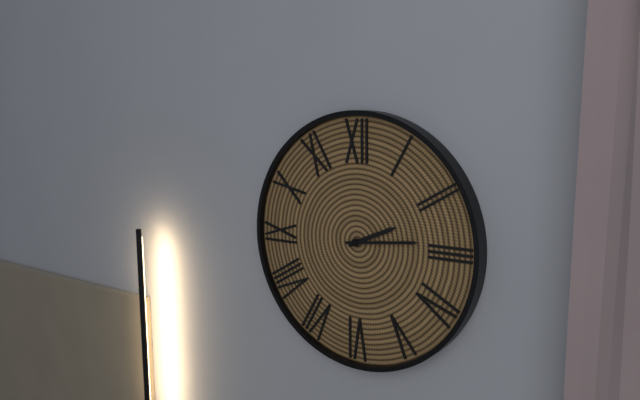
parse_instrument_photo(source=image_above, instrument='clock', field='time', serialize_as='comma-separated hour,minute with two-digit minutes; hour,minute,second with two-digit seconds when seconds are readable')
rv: 2,14
